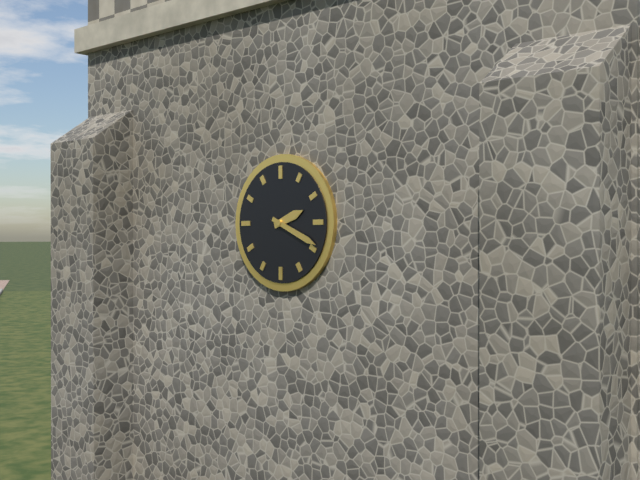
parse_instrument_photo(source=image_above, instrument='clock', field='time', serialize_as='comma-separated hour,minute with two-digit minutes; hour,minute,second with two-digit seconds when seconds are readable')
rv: 2,19
